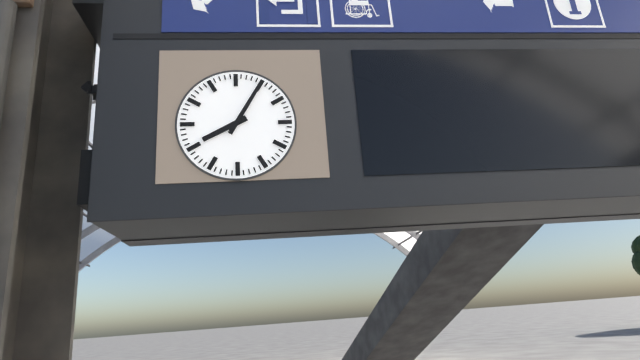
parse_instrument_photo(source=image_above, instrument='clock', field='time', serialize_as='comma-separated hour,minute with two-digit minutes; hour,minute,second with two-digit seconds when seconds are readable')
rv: 8,05
